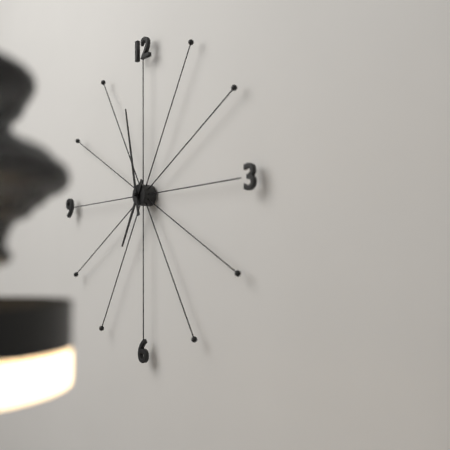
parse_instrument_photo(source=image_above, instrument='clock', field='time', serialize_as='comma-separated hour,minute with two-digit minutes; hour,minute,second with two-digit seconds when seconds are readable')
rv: 6,58
